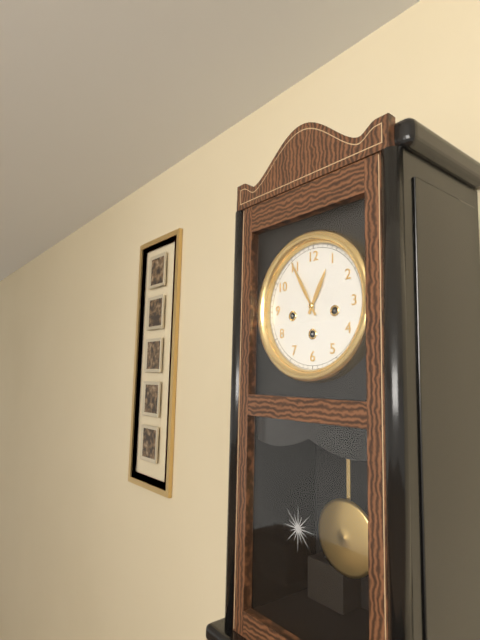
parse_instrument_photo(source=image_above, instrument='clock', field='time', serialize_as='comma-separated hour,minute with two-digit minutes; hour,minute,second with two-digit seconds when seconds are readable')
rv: 12,55
